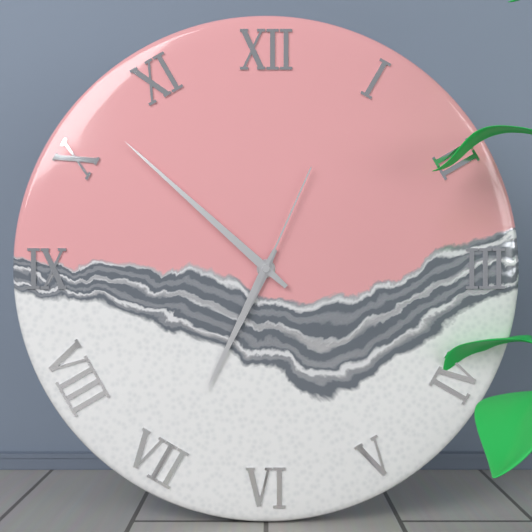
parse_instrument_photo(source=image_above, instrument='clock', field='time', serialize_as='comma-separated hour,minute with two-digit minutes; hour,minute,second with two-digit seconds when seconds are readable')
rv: 6,52,04
